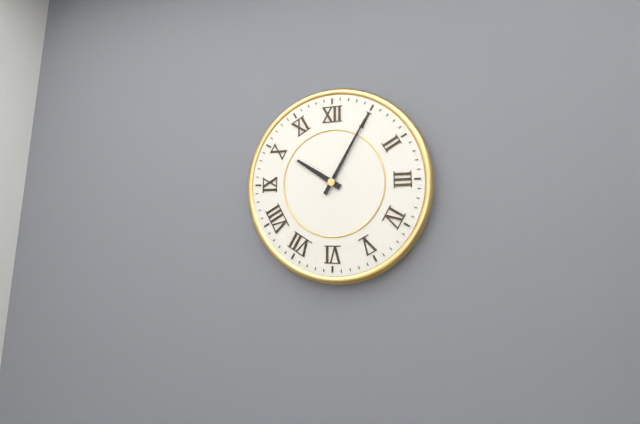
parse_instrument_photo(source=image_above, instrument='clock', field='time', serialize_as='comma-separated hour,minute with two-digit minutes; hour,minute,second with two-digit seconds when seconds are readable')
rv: 10,05
